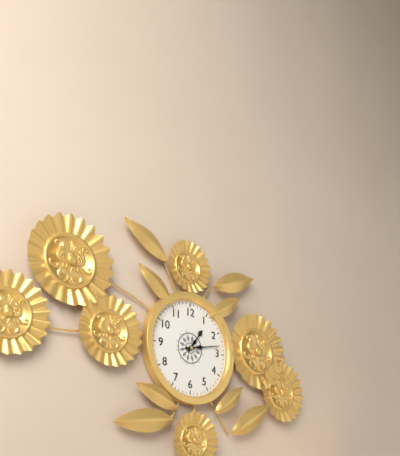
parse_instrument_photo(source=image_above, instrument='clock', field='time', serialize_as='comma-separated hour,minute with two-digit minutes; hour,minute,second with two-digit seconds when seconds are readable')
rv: 1,13
